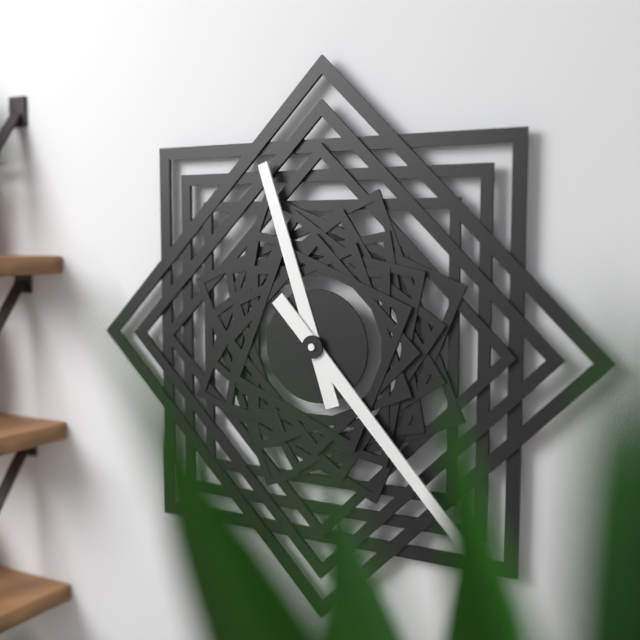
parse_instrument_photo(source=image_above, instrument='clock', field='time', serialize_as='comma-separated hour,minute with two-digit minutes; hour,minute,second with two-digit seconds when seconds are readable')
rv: 11,23
